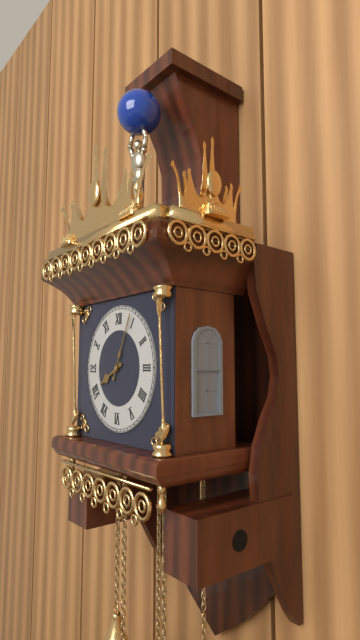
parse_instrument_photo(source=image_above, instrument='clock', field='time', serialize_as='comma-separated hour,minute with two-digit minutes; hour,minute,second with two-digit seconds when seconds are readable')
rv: 8,04
